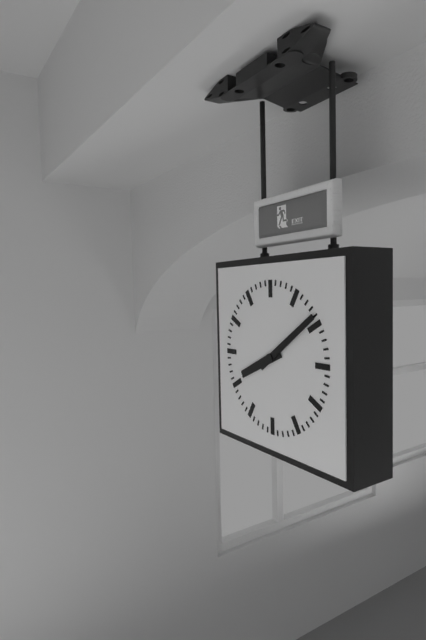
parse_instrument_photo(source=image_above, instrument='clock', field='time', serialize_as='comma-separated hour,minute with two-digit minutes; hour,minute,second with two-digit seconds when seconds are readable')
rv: 8,09
